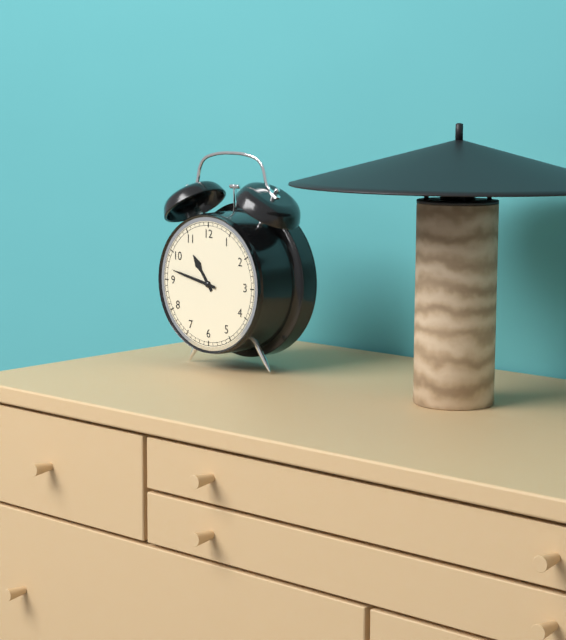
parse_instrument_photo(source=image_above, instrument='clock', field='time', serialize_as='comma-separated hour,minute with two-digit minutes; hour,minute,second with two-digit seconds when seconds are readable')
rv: 10,47
